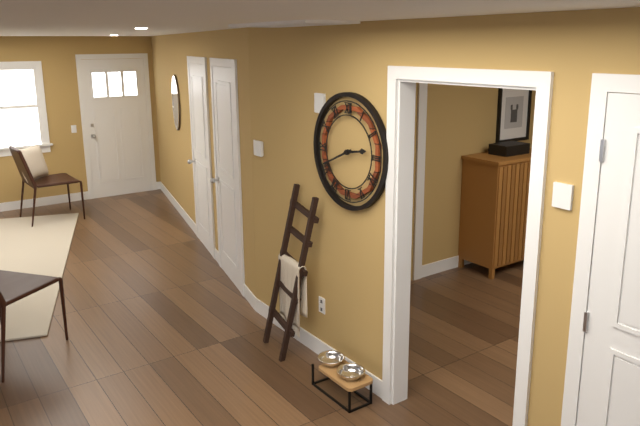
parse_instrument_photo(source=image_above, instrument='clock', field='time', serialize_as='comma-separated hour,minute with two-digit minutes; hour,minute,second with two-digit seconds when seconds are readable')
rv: 2,41
